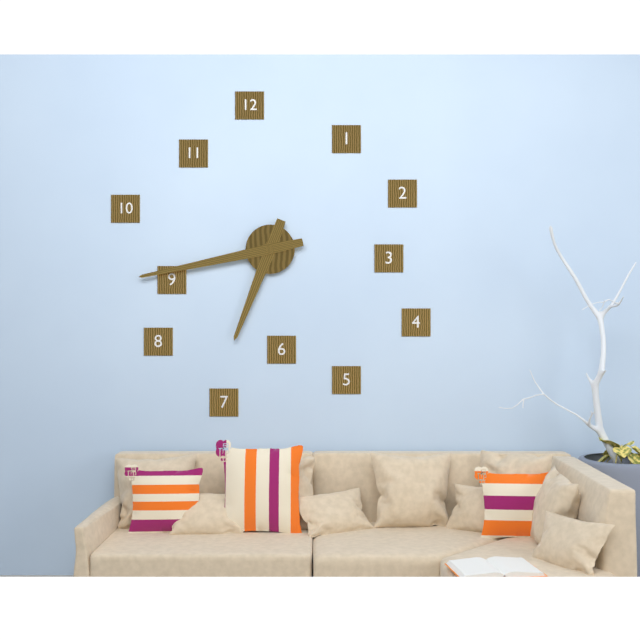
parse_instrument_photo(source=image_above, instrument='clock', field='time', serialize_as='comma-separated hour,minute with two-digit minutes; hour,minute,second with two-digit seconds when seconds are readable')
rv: 6,43
